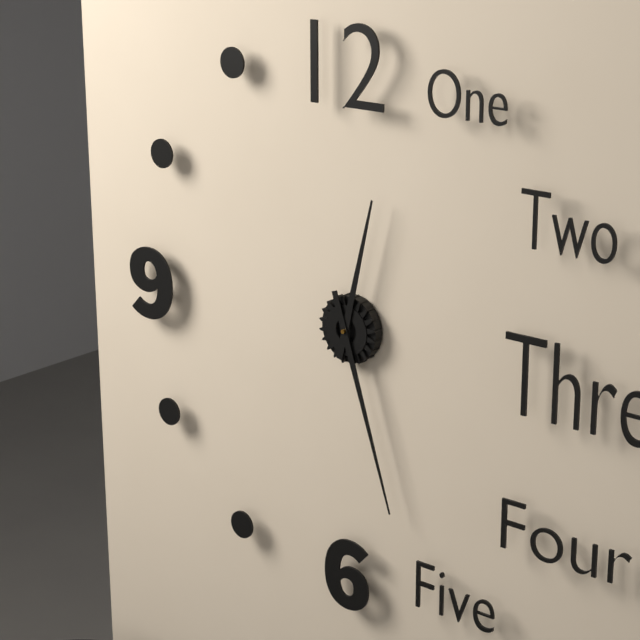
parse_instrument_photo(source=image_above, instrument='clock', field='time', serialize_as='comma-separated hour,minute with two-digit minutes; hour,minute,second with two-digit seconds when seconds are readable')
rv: 12,27
